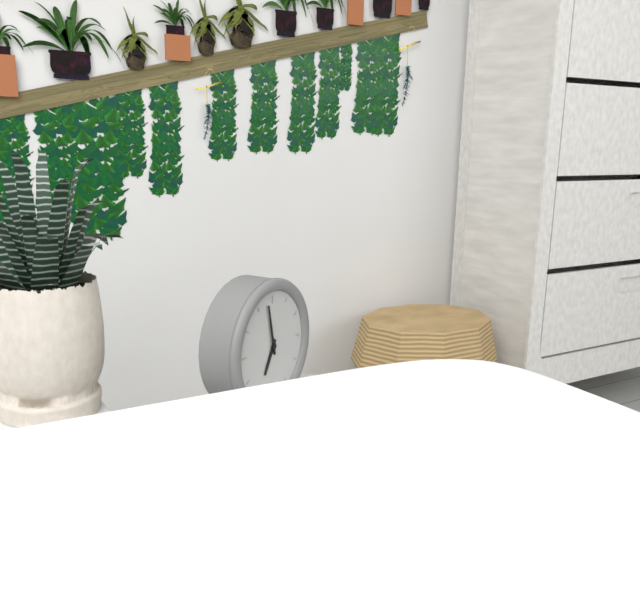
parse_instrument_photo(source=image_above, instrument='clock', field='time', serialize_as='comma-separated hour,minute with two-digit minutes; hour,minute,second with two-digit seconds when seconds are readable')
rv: 6,58
